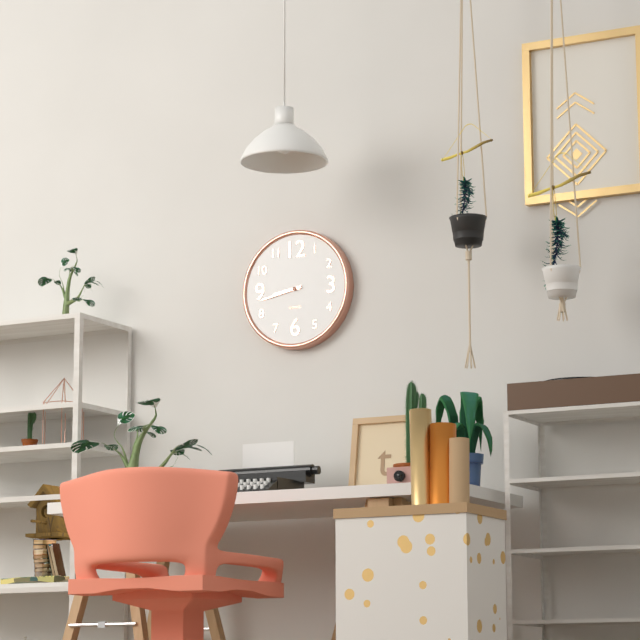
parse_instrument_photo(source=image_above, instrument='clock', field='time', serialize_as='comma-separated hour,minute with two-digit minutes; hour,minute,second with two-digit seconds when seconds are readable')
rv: 8,43
